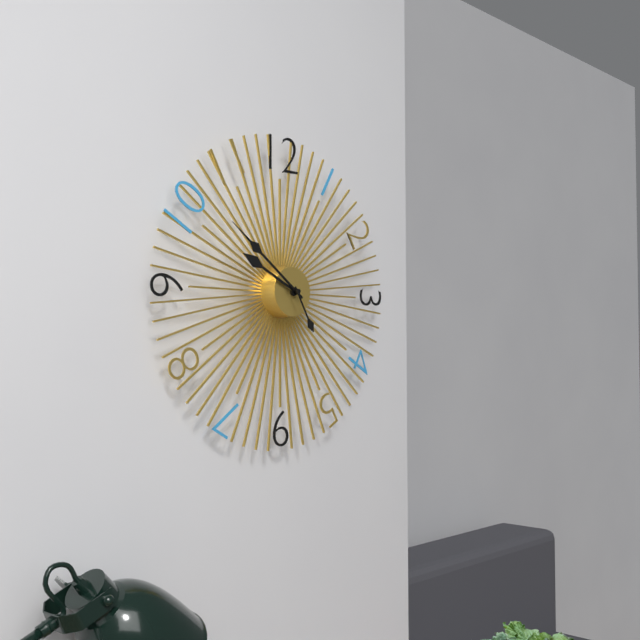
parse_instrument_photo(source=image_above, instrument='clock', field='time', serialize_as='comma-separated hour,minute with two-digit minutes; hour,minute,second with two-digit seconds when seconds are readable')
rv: 9,51,25
